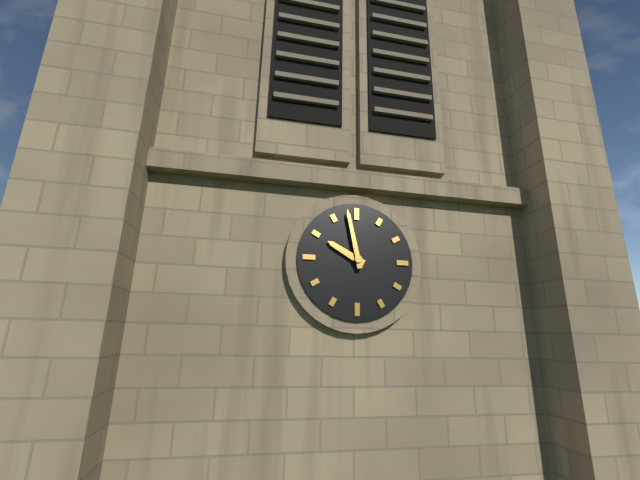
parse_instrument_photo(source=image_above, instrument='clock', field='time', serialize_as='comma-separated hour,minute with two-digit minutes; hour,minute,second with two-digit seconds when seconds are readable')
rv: 9,58
